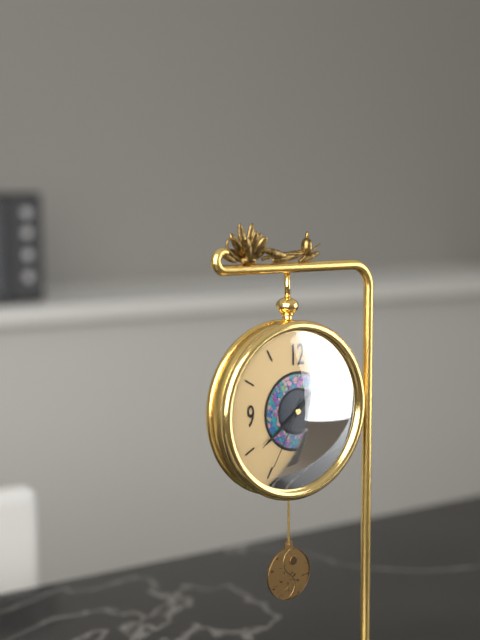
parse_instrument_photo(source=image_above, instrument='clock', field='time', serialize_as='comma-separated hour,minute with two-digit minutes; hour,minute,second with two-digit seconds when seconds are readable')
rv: 1,39,35
